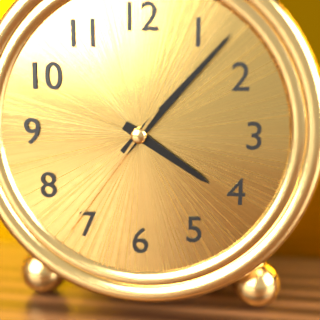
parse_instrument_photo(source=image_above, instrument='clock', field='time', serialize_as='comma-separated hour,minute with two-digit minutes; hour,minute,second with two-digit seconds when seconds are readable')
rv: 4,07,36
